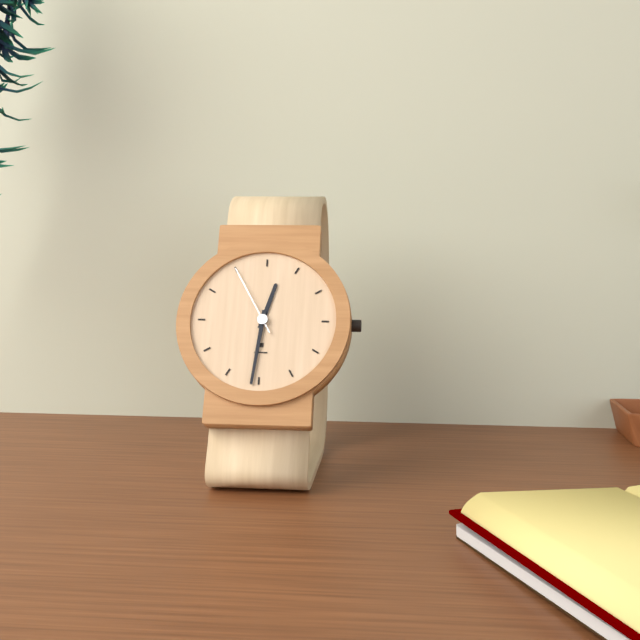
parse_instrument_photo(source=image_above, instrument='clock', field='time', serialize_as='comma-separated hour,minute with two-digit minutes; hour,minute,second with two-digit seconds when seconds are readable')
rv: 12,31,55
